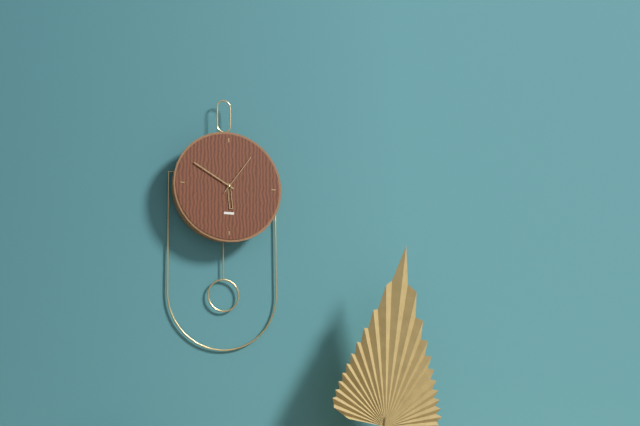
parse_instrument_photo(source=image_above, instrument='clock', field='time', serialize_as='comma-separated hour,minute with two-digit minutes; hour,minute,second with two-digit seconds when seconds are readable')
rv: 5,50
